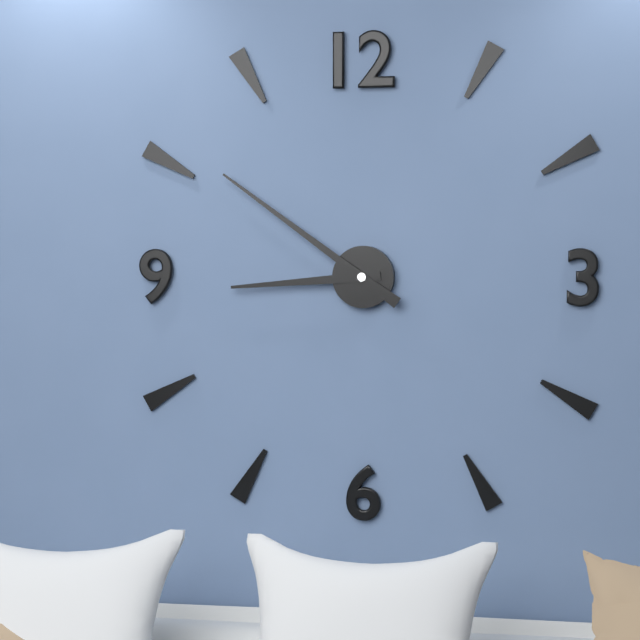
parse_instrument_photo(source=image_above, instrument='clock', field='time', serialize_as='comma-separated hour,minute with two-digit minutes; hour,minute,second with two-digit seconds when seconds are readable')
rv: 8,51
